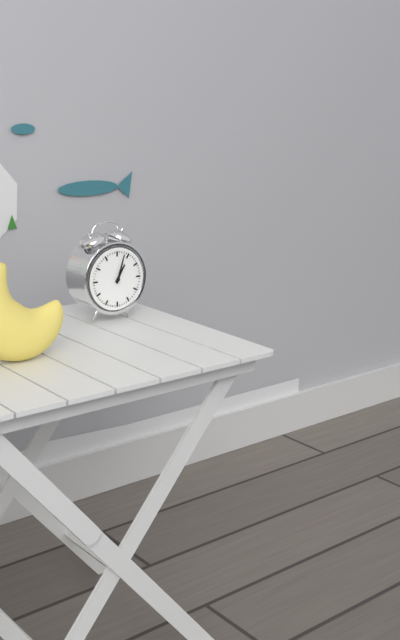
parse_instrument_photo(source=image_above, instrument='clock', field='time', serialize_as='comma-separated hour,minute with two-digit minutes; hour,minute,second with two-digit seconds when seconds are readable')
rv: 1,03
